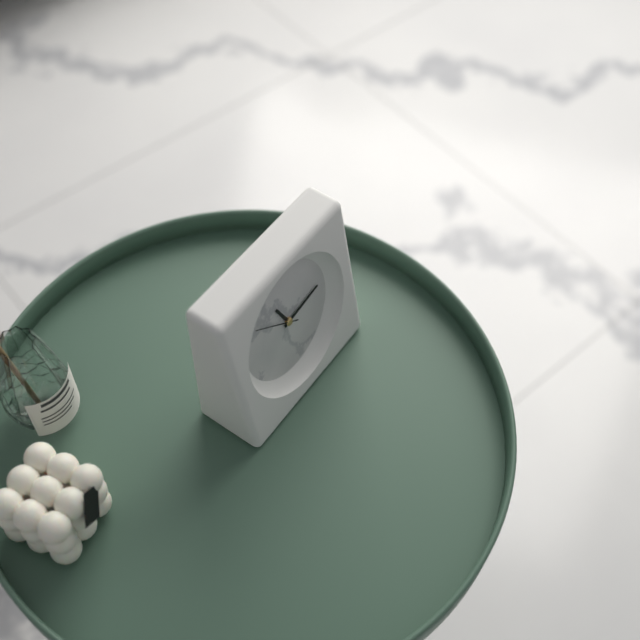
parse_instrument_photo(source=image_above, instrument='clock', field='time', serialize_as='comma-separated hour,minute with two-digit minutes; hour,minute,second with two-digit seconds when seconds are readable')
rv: 11,14
